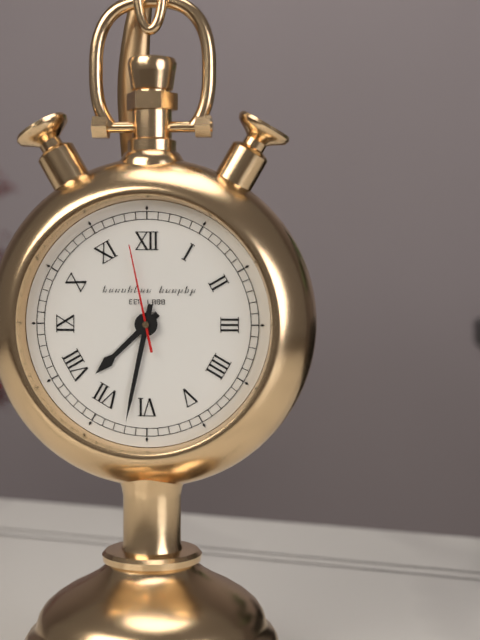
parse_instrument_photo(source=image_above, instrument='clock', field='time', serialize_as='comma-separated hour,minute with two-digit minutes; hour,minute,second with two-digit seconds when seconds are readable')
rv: 7,32,58
